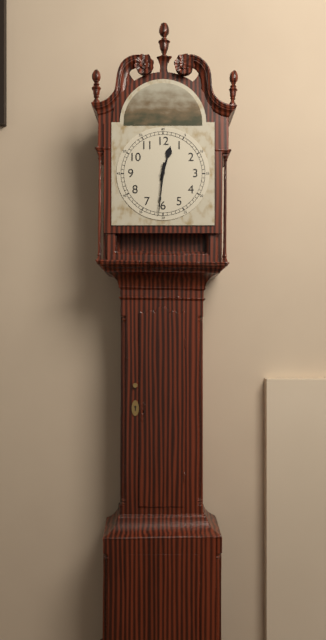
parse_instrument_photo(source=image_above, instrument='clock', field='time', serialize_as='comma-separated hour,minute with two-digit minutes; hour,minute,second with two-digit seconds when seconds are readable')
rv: 12,31
